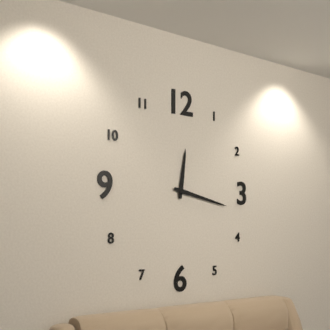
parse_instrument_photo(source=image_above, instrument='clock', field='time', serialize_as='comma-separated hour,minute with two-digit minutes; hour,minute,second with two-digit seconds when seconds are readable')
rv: 12,17
